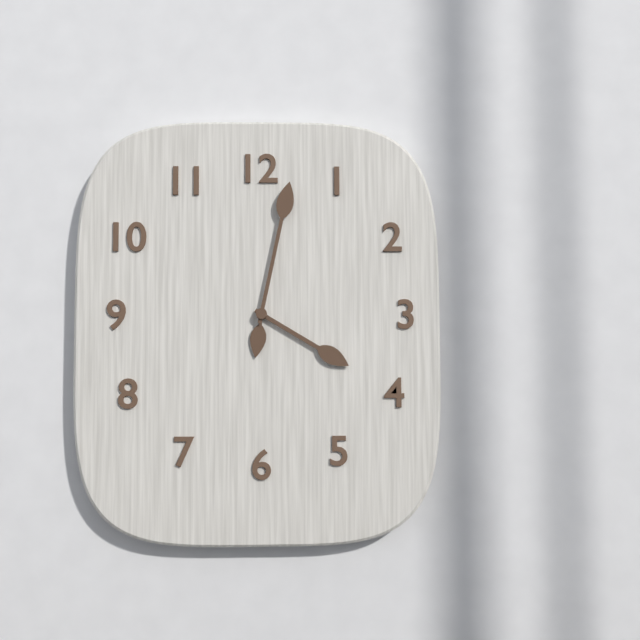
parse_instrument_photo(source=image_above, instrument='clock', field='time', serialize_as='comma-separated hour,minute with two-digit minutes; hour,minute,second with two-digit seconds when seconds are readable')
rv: 4,02
